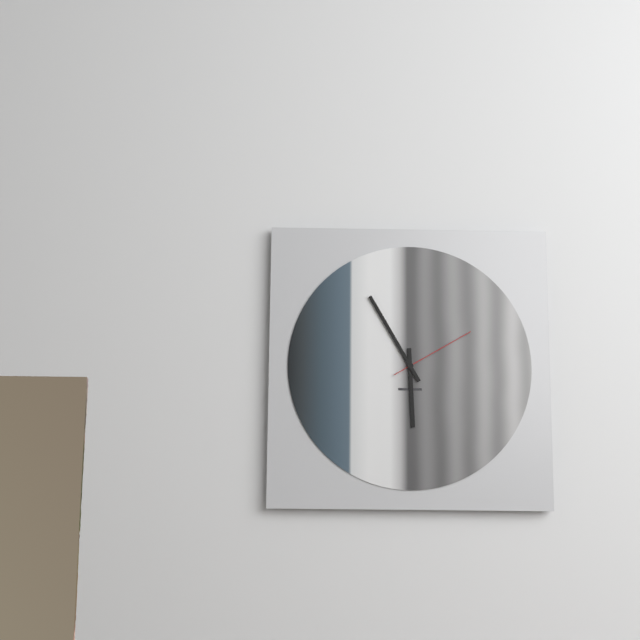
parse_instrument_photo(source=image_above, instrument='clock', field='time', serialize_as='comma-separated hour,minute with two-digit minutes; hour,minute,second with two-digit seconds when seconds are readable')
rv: 5,55,10
